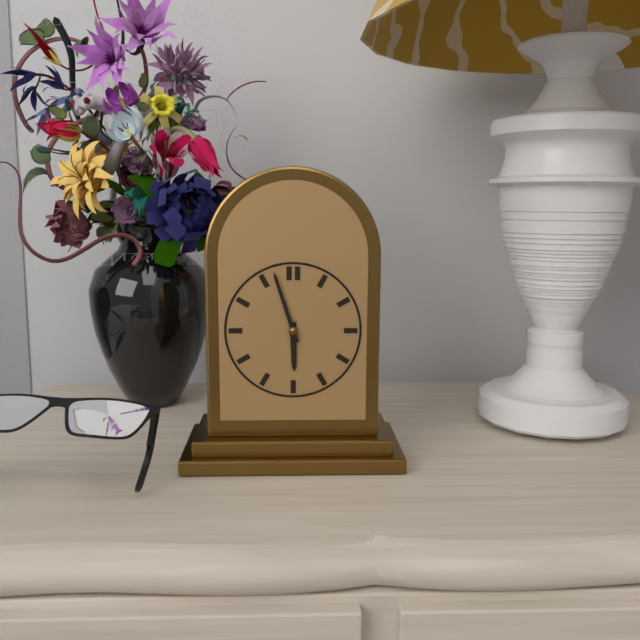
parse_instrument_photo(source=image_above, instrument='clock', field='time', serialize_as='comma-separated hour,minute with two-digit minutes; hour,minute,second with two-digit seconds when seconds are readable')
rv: 5,57
